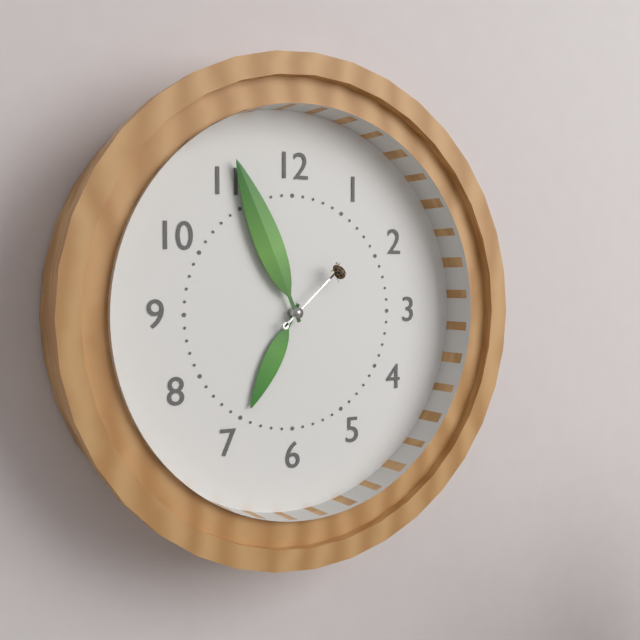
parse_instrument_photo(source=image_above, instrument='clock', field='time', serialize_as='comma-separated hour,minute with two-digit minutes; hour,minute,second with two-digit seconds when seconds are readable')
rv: 6,56,08
